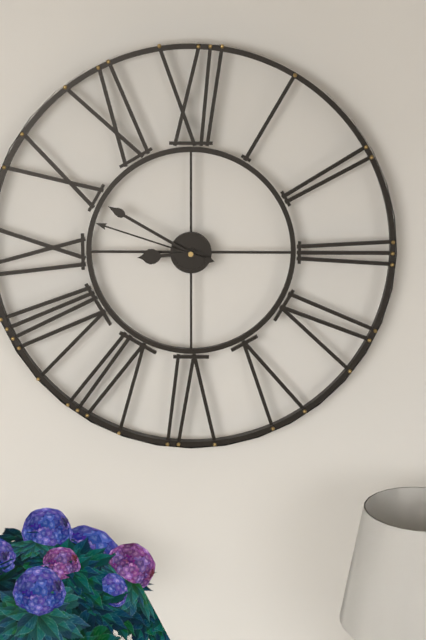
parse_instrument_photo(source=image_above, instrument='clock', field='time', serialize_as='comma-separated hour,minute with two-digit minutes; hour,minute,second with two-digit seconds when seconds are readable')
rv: 8,50,48
